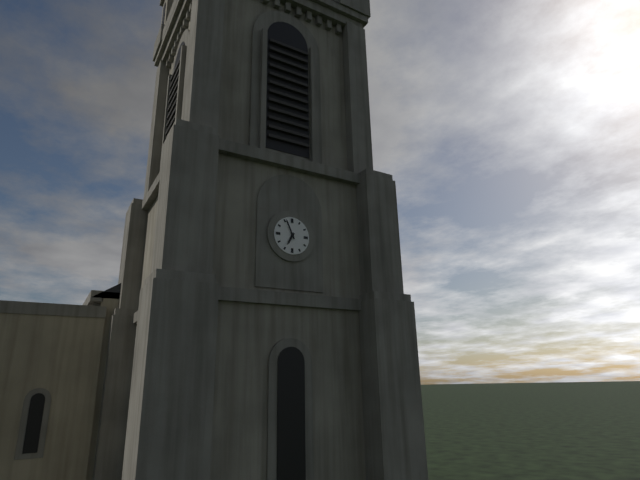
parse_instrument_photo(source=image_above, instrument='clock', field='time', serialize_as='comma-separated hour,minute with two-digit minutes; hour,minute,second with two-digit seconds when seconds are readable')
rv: 6,56
